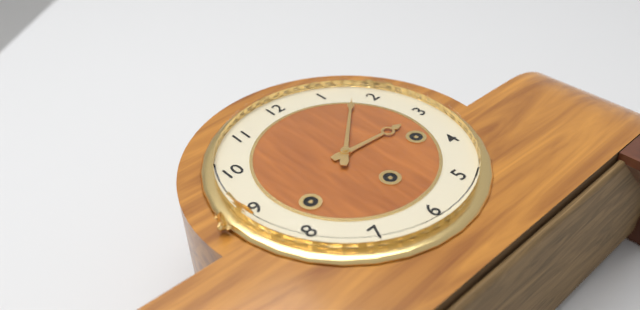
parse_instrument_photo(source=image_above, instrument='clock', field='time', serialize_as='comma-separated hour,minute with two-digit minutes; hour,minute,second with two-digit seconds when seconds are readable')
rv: 3,08
